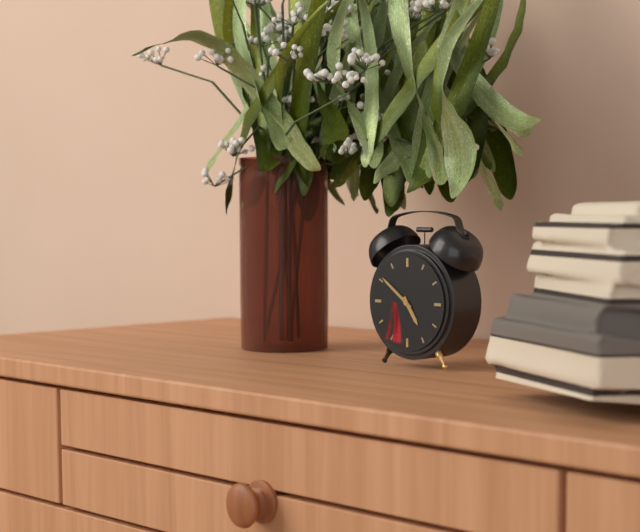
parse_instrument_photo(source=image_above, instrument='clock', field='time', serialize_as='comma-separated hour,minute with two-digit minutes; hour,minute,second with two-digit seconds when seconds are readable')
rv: 4,51
